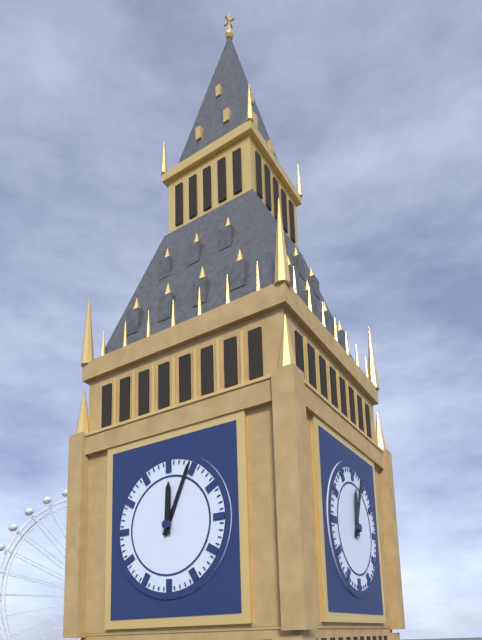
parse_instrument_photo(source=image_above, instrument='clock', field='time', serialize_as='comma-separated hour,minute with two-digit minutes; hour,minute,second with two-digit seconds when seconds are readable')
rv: 12,04
